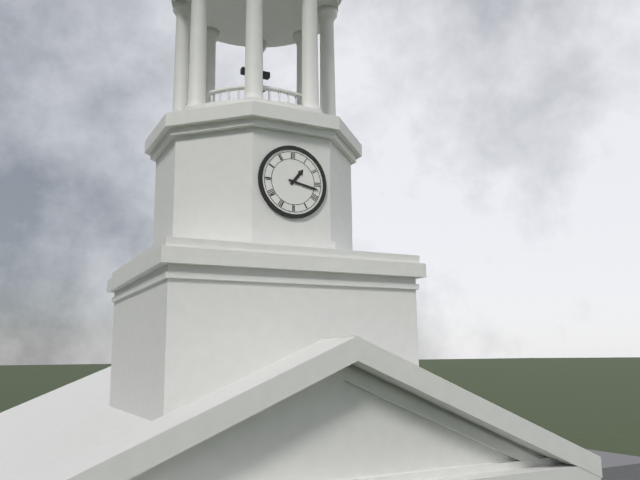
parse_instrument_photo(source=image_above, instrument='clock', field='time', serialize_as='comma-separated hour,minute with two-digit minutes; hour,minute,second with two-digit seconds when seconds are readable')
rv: 1,17
